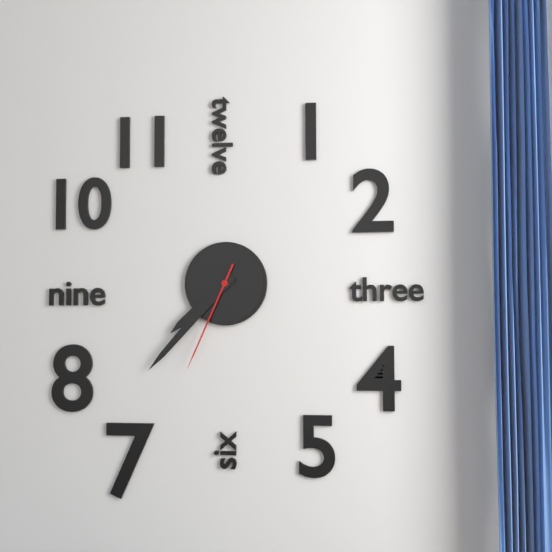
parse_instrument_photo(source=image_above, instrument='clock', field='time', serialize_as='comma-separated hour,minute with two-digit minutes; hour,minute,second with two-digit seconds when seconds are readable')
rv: 7,37,34
